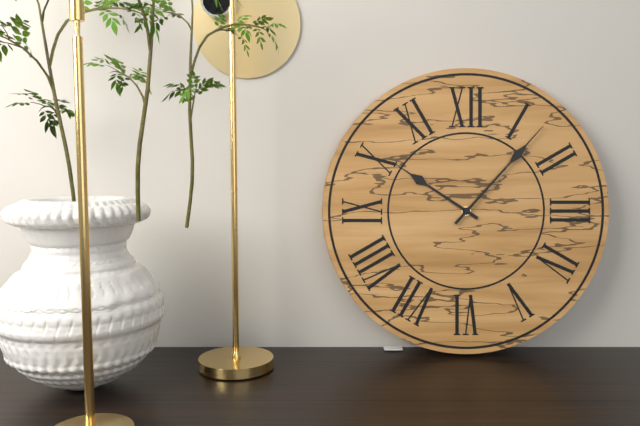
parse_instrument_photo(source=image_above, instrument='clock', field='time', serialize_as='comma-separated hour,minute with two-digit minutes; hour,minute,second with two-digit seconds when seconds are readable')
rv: 10,07
